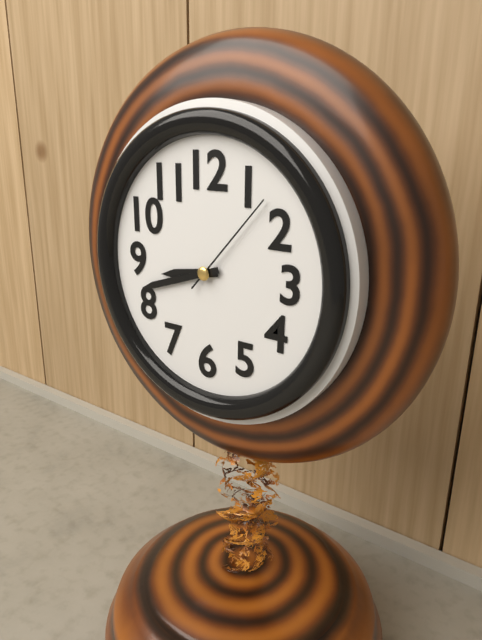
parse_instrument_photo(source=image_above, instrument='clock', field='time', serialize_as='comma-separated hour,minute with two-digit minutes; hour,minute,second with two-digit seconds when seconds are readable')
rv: 8,42,07
